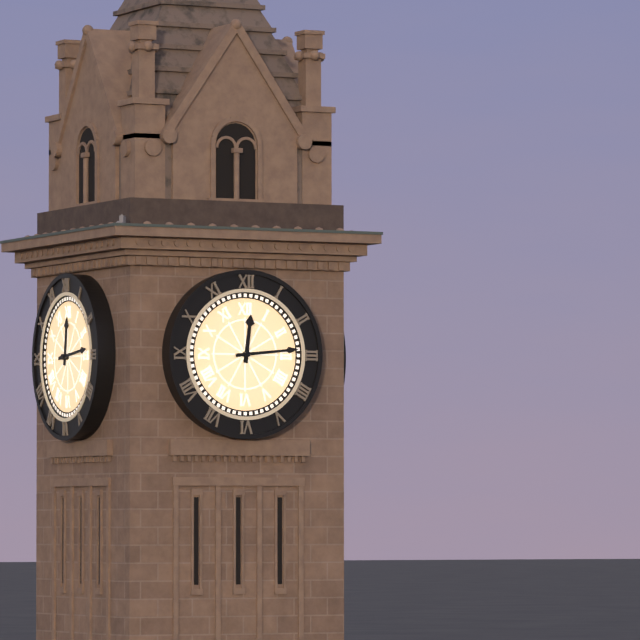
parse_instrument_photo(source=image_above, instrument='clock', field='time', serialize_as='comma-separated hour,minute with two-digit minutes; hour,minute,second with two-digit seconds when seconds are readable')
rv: 12,14
